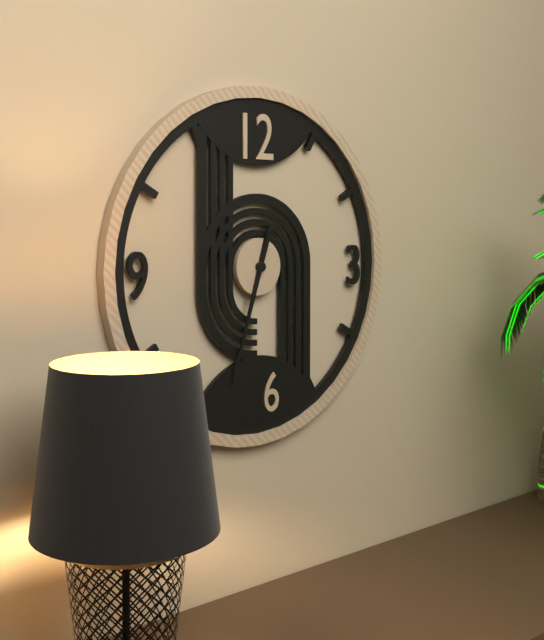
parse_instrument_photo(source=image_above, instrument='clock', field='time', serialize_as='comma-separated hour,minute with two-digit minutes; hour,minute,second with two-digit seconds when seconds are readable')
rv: 6,33
